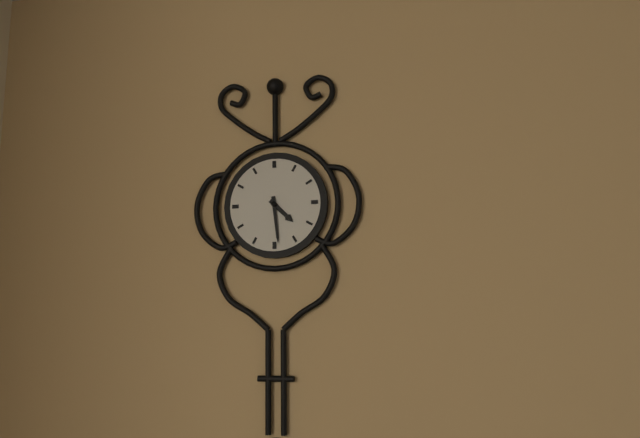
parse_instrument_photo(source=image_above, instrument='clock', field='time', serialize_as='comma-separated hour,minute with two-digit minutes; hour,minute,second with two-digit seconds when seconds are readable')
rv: 4,29
